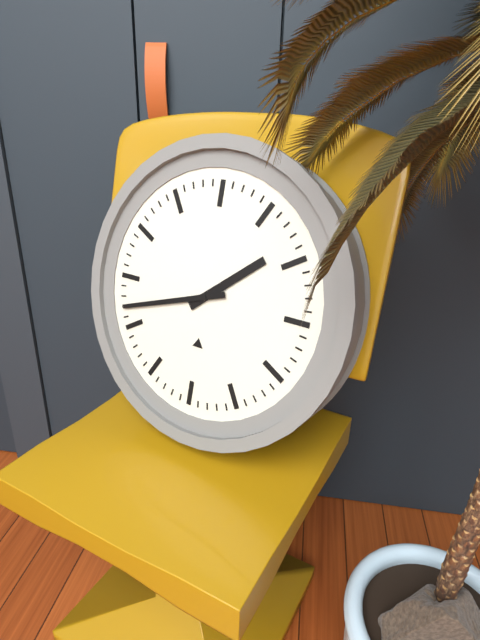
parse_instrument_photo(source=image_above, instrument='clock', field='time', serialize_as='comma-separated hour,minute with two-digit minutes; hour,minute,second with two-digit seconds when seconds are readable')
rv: 1,42
